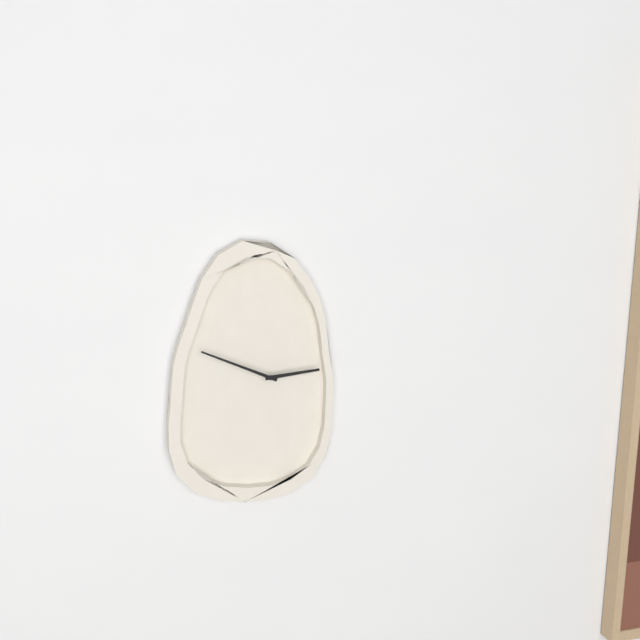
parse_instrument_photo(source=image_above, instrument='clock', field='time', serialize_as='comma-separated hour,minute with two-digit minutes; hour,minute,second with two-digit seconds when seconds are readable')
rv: 2,49
